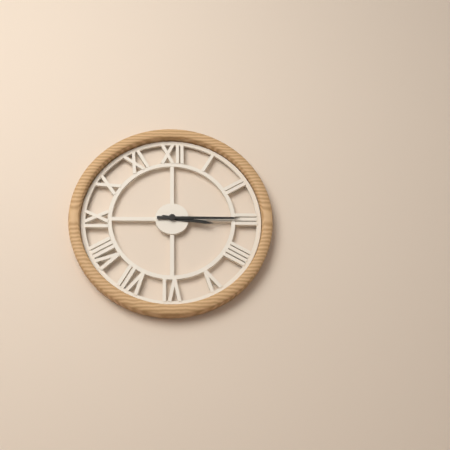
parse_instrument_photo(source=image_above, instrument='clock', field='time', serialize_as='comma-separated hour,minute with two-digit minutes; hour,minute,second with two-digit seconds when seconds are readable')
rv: 3,15
